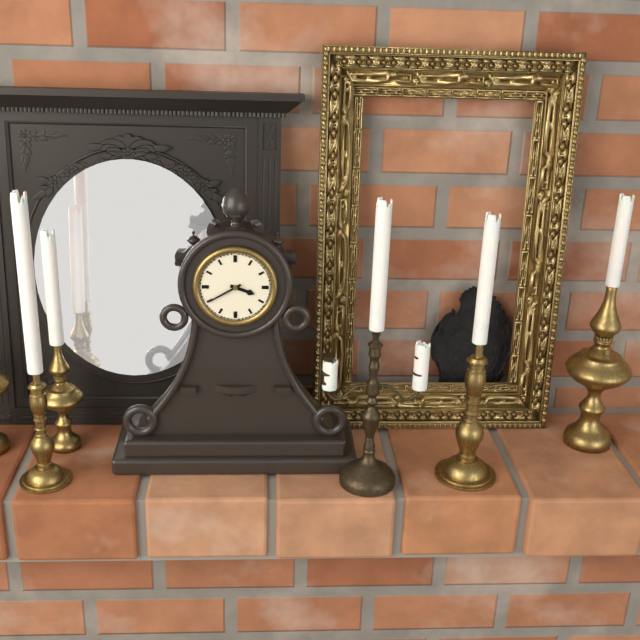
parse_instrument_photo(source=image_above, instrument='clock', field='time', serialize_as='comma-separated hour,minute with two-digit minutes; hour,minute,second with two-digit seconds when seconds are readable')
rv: 3,40
